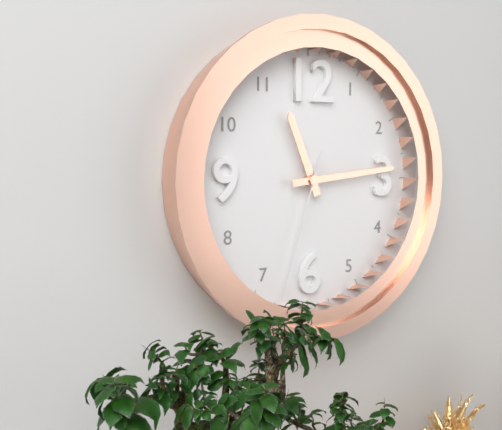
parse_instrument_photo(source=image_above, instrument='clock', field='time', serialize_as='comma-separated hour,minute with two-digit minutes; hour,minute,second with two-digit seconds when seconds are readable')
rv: 11,14,33
